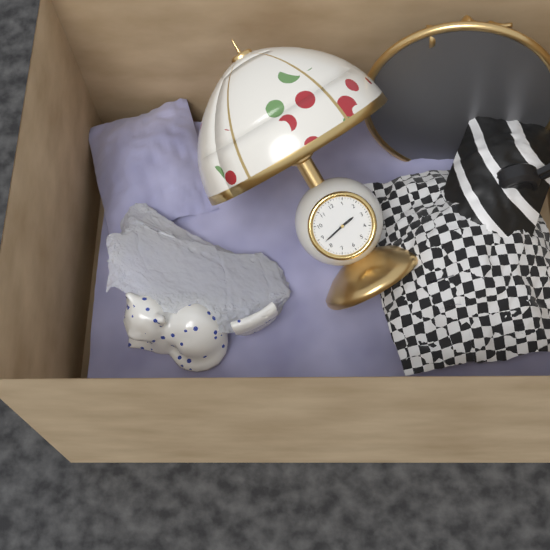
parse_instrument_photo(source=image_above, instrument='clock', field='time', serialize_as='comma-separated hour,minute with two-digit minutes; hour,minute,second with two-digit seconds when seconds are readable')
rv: 2,43
